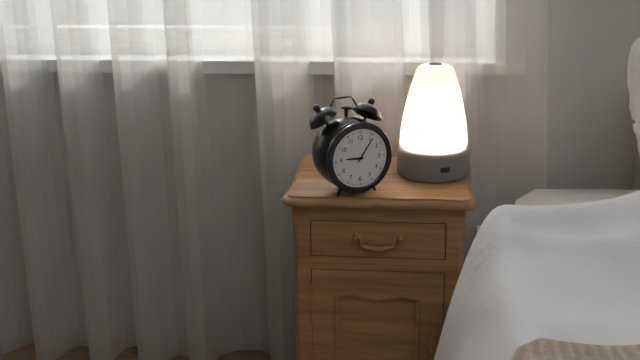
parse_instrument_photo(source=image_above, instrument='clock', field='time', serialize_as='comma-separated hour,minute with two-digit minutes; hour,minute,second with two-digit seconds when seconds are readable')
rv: 9,06
